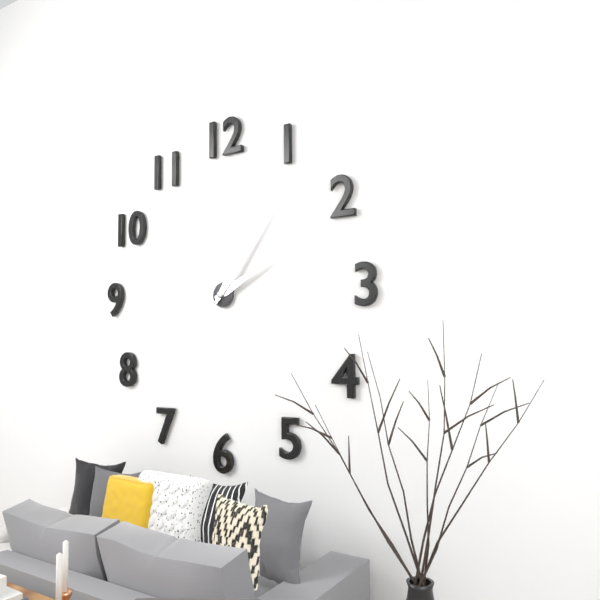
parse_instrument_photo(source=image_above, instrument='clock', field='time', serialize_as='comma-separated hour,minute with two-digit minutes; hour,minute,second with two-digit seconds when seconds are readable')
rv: 2,06
